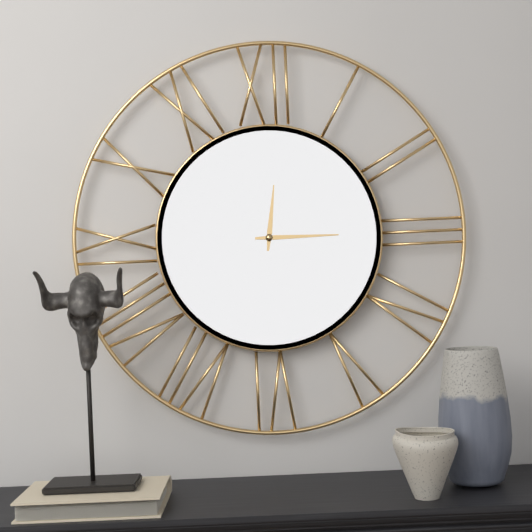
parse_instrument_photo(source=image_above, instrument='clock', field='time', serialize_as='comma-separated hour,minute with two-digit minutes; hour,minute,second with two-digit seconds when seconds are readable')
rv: 12,15
